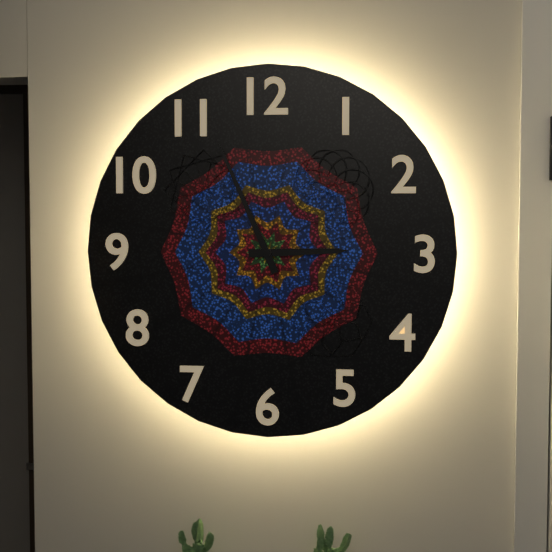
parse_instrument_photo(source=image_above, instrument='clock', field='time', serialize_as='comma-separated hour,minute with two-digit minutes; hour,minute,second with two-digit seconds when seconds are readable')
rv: 2,56
